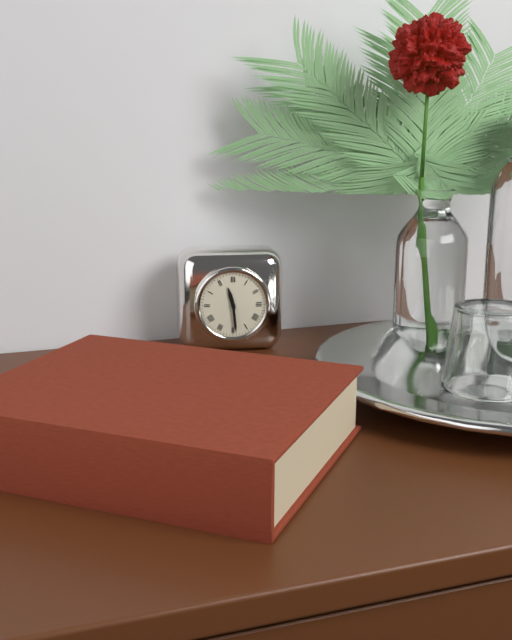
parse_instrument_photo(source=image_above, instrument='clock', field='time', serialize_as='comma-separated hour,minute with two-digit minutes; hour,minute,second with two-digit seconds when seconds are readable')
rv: 11,29
